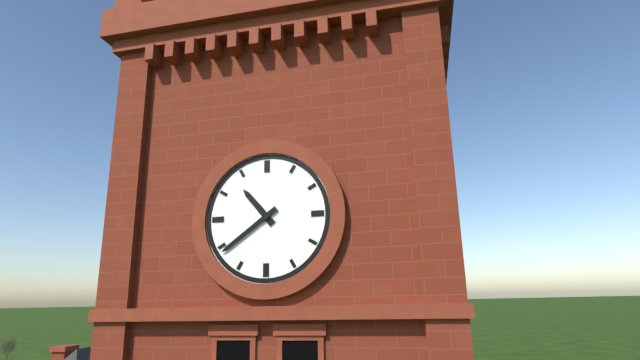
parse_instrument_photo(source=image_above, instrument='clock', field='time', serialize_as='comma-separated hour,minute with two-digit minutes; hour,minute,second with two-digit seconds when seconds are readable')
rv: 10,39
